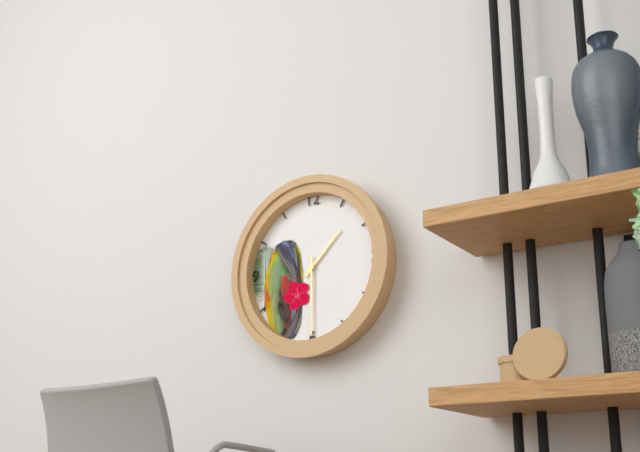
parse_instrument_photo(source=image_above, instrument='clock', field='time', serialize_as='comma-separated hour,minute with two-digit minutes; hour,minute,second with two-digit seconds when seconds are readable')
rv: 1,30
